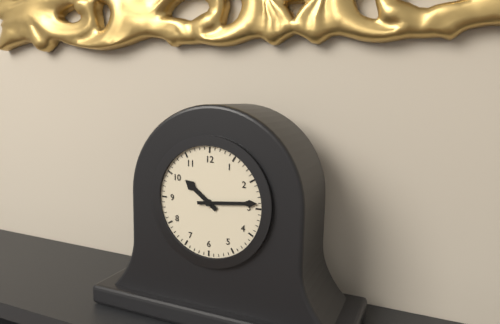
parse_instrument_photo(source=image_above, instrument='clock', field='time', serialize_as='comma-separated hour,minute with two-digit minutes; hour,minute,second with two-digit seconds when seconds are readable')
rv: 10,14
